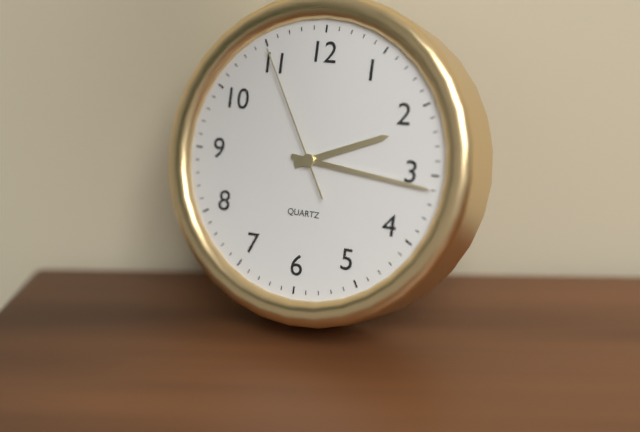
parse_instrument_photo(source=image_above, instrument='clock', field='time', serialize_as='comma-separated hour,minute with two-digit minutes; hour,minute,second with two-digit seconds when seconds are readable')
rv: 2,16,55
